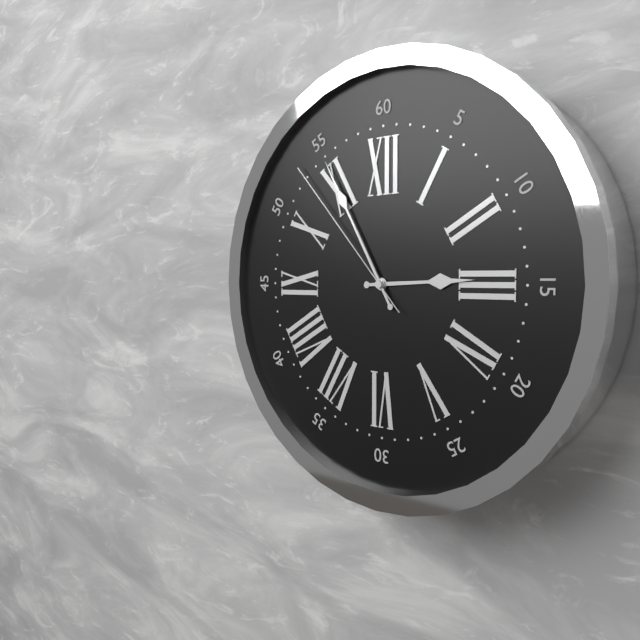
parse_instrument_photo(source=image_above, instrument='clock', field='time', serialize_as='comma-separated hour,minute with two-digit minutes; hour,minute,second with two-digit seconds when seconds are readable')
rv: 2,55,53
